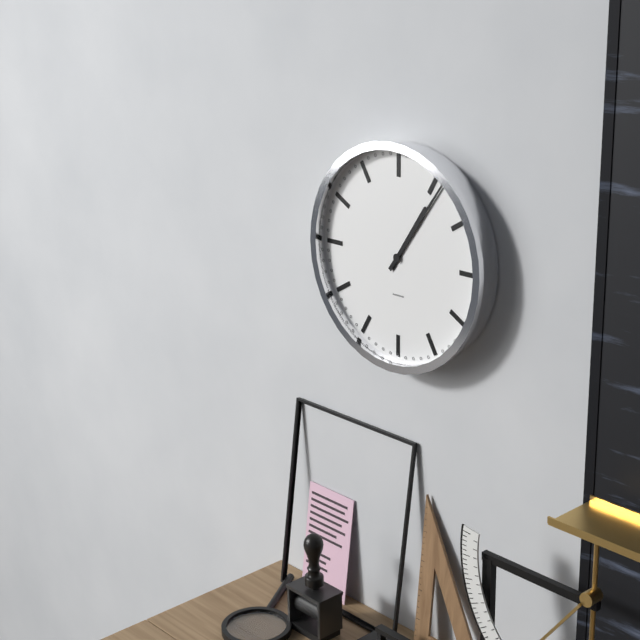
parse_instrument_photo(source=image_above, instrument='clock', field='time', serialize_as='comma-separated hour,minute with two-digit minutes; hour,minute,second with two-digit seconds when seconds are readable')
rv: 1,06
